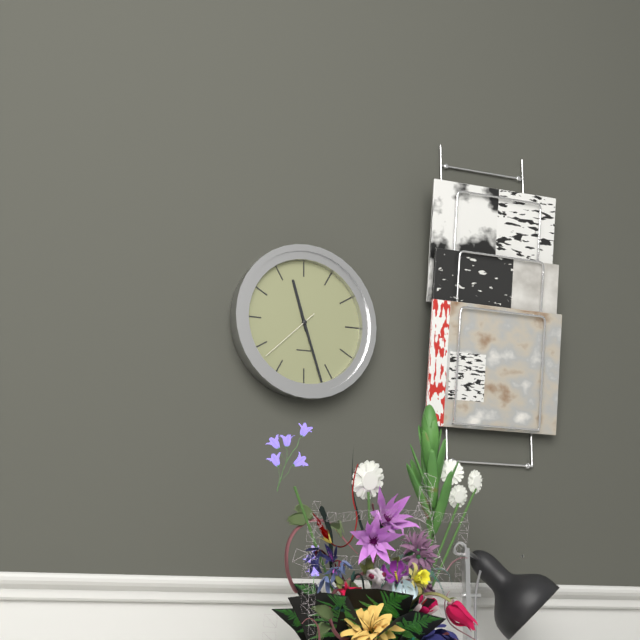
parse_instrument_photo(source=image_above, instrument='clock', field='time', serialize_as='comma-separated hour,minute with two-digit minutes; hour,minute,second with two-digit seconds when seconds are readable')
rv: 11,27,38
